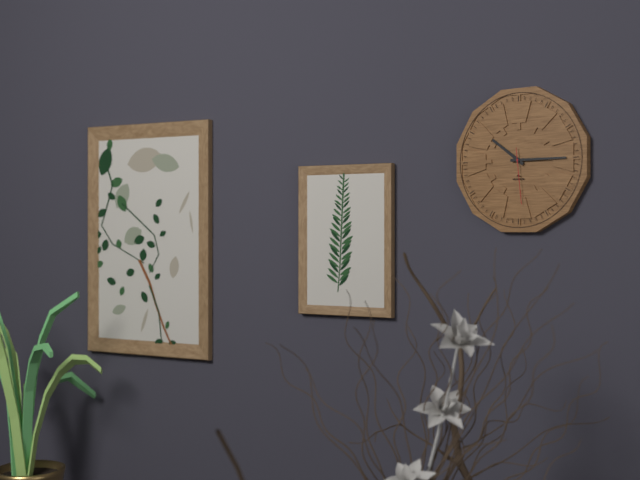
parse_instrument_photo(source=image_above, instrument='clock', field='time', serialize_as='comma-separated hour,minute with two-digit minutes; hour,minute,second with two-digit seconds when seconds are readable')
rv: 10,15,29
